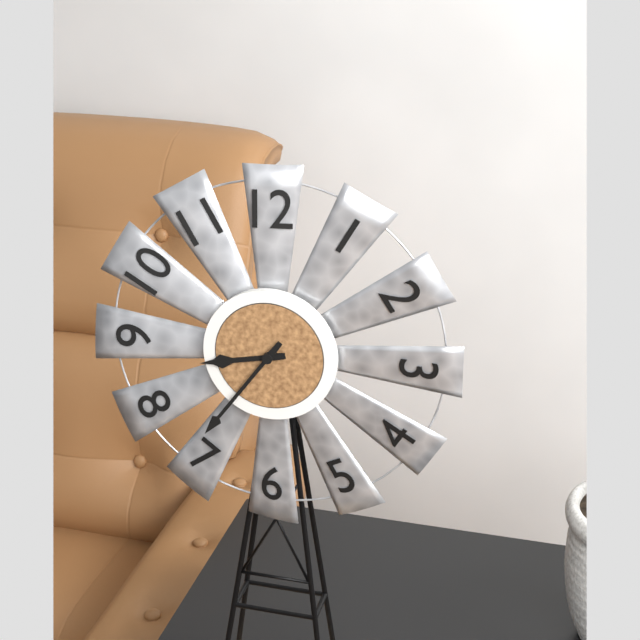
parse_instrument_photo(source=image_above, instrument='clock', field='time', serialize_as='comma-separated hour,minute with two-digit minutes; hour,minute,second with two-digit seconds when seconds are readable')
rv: 8,36
